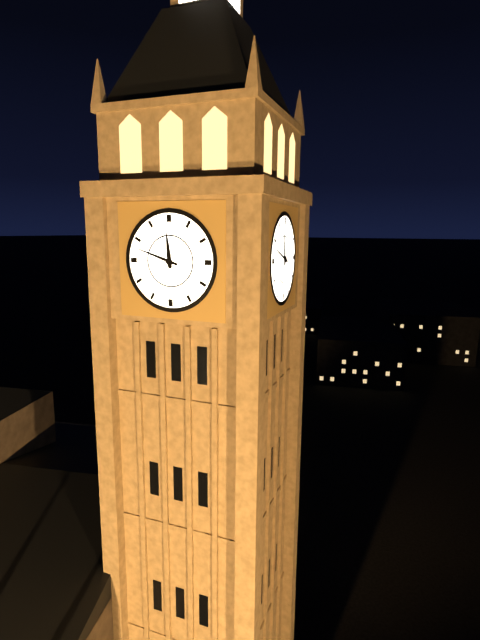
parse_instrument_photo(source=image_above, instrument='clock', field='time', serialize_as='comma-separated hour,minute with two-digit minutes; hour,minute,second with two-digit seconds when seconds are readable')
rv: 11,48
